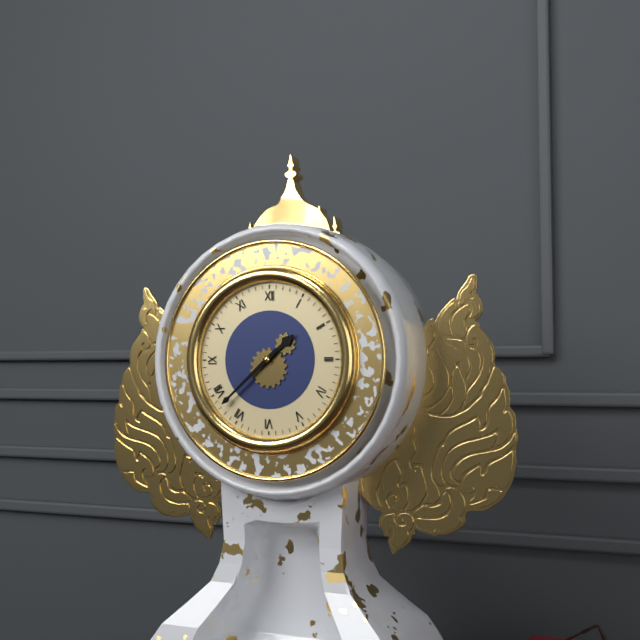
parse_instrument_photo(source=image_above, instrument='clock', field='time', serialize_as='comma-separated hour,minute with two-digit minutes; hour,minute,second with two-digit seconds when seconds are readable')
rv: 1,38
